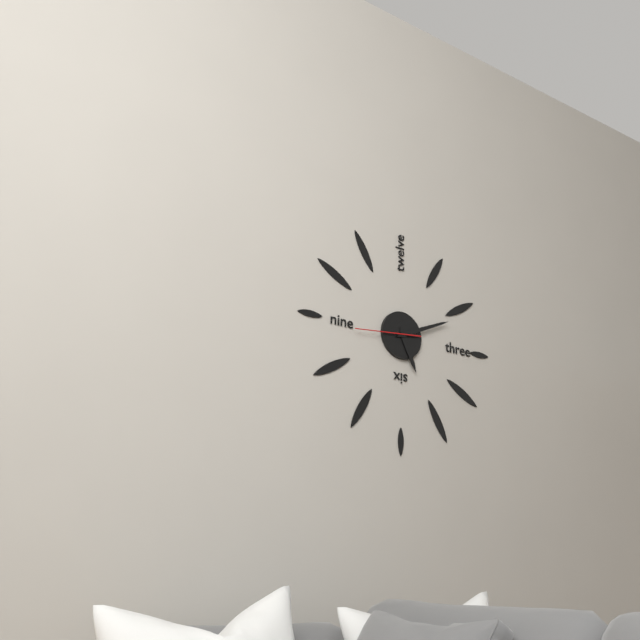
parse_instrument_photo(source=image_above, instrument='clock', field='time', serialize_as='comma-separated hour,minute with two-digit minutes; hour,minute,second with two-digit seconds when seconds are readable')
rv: 5,11,44
